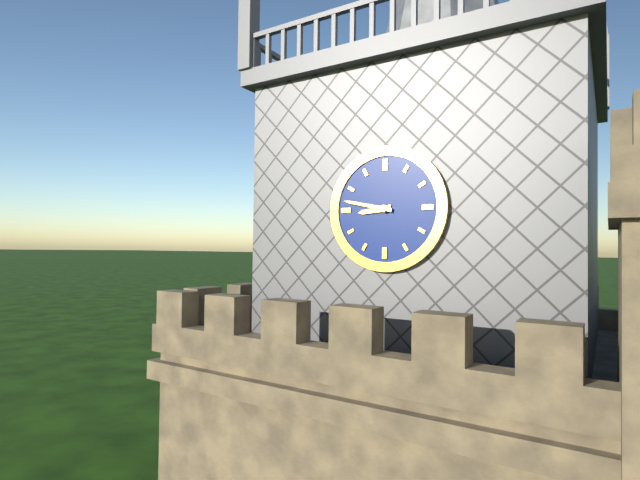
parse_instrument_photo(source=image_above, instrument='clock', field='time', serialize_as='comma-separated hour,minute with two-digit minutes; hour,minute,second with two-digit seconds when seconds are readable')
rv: 8,47
